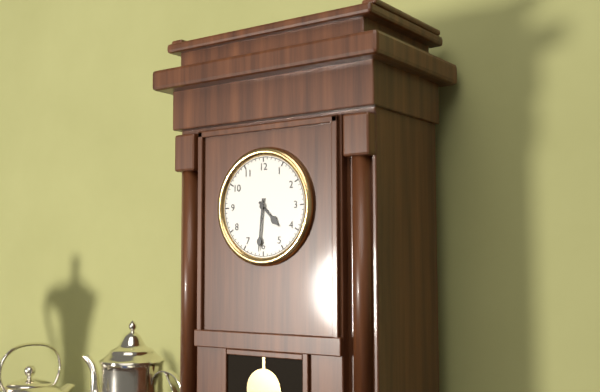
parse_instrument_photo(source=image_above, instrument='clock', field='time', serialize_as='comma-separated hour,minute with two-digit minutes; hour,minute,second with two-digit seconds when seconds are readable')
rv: 4,31
